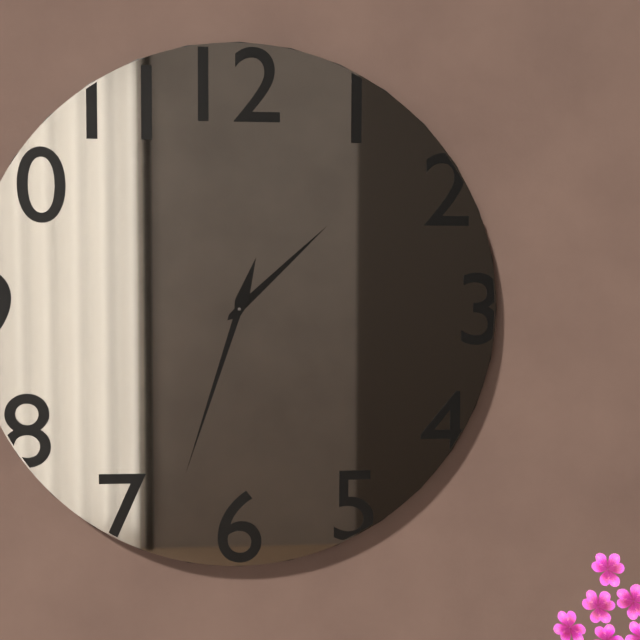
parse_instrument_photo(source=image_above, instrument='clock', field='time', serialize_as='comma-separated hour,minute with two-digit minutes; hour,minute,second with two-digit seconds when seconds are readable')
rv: 1,33
